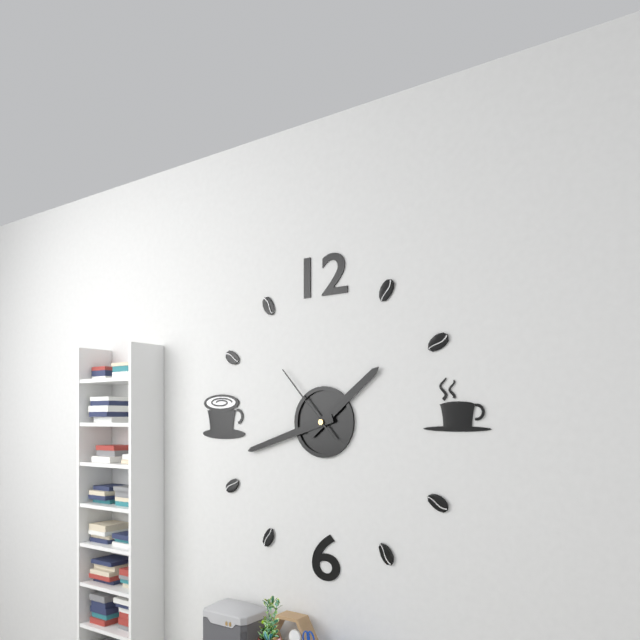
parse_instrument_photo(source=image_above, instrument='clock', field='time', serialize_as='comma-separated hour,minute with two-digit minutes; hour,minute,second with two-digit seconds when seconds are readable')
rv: 1,42,53
